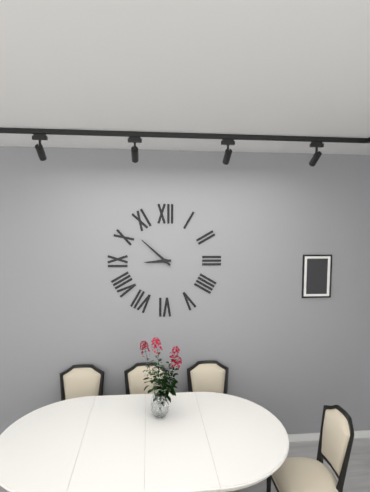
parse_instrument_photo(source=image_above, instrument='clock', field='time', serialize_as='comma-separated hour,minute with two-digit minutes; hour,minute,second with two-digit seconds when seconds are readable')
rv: 8,52
